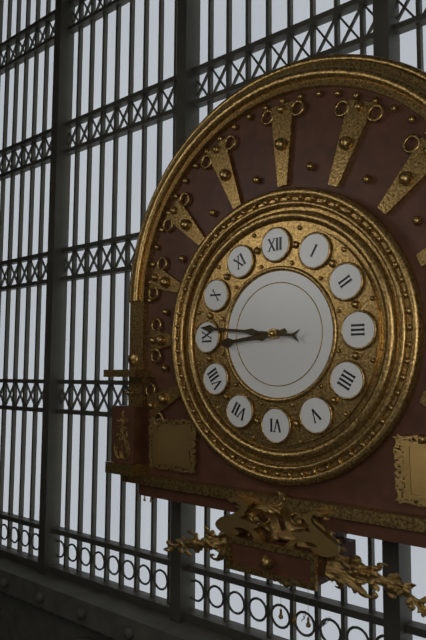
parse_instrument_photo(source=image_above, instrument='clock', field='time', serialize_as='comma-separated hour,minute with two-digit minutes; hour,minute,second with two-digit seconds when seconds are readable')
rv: 8,46
